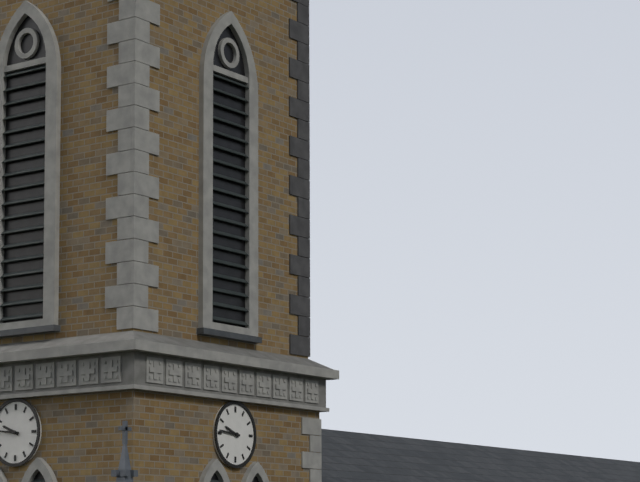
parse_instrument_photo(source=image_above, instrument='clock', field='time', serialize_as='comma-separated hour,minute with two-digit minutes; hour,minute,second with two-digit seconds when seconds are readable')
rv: 9,46
